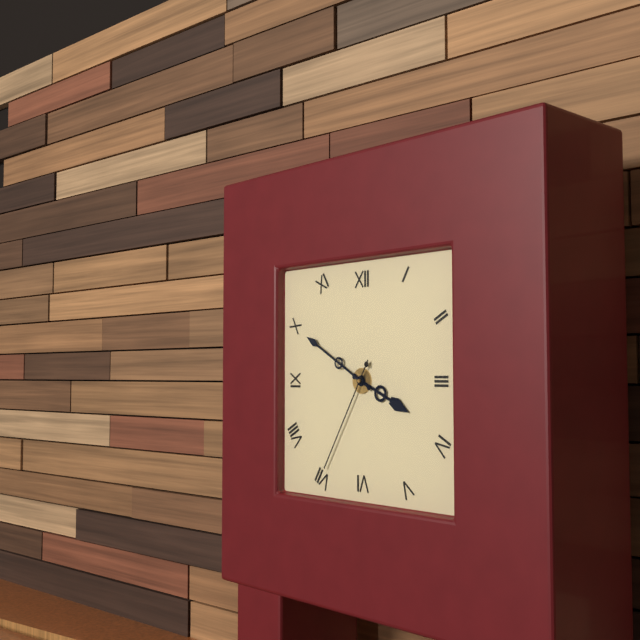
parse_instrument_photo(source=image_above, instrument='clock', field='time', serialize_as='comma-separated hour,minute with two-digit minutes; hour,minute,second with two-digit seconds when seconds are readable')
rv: 3,50,35
